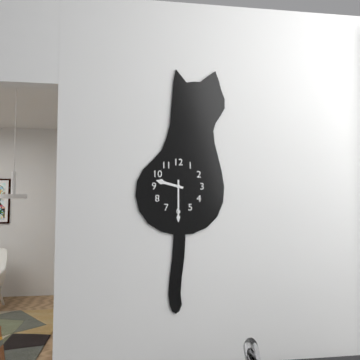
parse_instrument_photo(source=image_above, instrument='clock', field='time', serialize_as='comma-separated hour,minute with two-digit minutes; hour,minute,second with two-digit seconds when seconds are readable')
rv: 9,30
